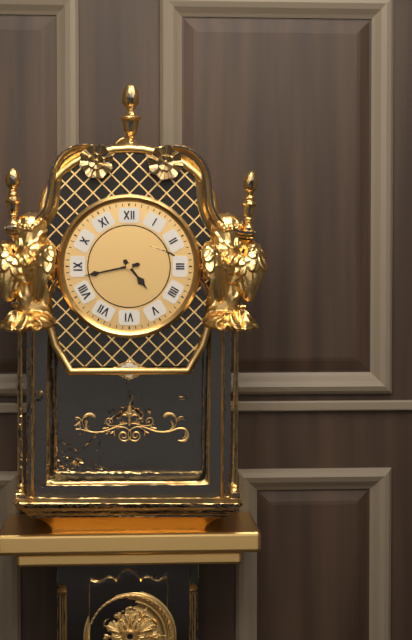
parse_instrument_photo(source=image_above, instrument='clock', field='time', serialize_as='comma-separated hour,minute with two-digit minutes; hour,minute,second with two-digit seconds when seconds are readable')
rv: 4,43
